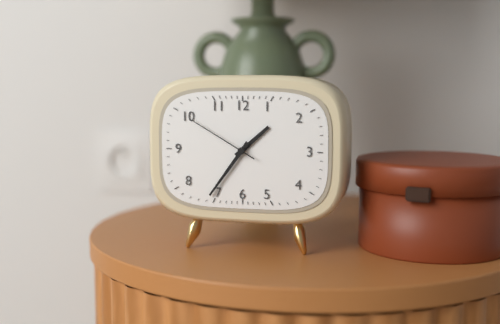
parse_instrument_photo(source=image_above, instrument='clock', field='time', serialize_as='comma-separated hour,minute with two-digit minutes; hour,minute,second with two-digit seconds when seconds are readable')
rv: 1,36,50
